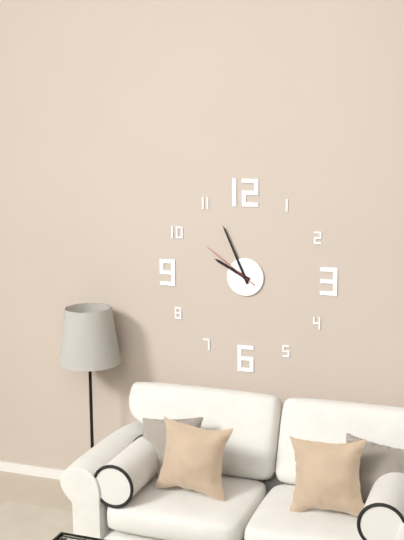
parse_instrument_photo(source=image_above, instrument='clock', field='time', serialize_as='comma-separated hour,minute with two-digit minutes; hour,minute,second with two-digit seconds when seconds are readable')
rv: 9,56,51
